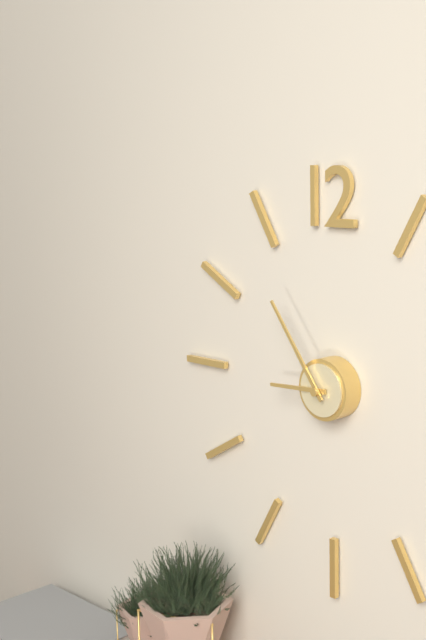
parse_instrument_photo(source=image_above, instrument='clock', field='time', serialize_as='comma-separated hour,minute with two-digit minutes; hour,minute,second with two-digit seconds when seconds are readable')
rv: 8,54
